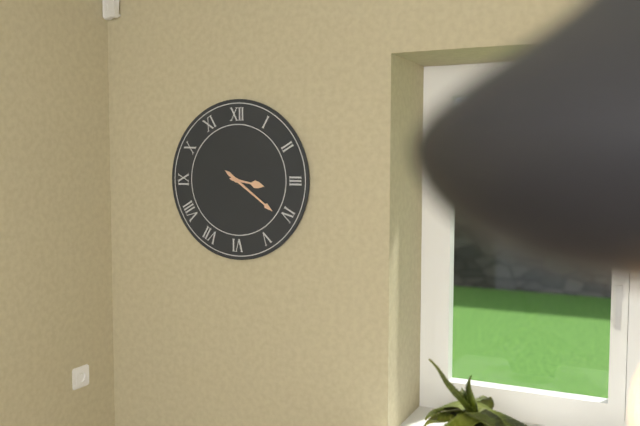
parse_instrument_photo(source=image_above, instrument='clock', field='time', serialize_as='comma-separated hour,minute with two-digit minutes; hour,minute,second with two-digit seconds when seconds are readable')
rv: 3,21
